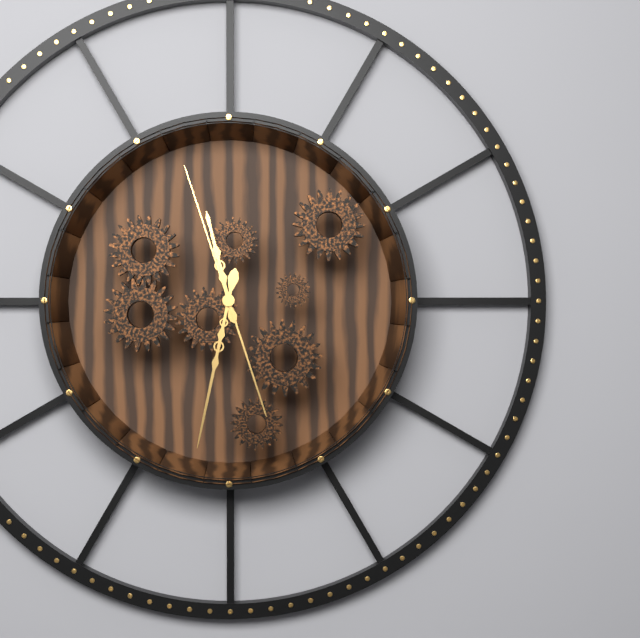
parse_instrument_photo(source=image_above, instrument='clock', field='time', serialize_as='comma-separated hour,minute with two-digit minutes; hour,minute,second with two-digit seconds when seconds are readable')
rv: 11,32,57
